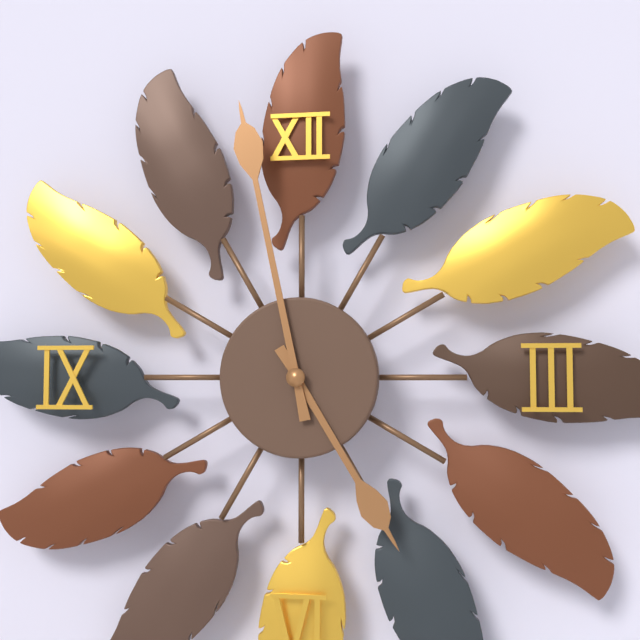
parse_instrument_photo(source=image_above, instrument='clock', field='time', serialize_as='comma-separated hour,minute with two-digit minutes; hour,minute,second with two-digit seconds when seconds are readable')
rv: 4,58
